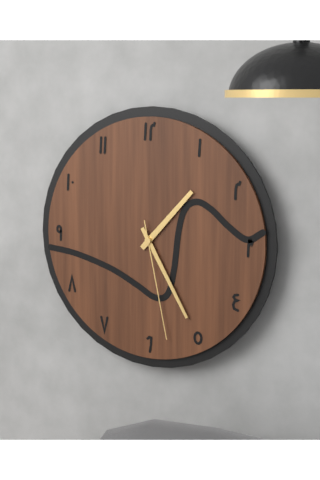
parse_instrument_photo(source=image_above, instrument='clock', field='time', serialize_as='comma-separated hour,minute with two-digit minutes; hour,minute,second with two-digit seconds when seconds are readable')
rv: 1,25,28
